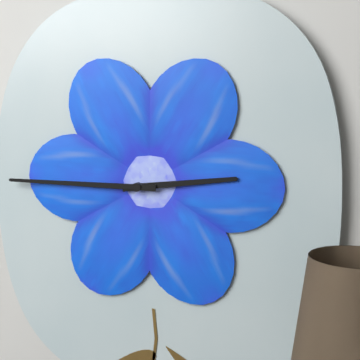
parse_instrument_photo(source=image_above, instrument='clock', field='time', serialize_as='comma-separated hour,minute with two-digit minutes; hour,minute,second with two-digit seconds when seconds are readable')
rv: 2,45
